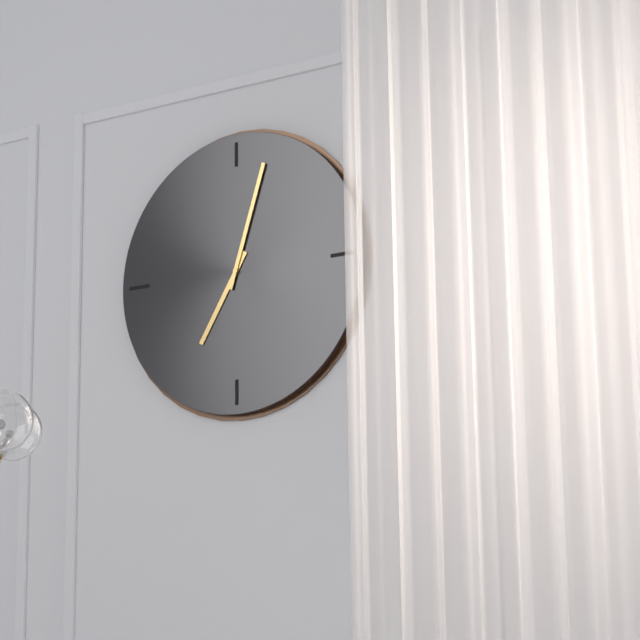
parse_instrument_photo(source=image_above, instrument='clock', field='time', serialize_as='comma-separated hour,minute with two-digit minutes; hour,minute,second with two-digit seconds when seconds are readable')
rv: 7,03
